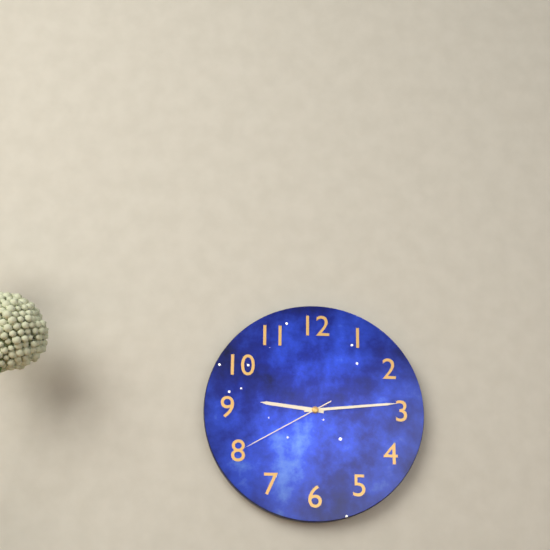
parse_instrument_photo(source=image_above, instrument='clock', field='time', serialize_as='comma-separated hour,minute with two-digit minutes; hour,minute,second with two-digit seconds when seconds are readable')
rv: 9,14,40
